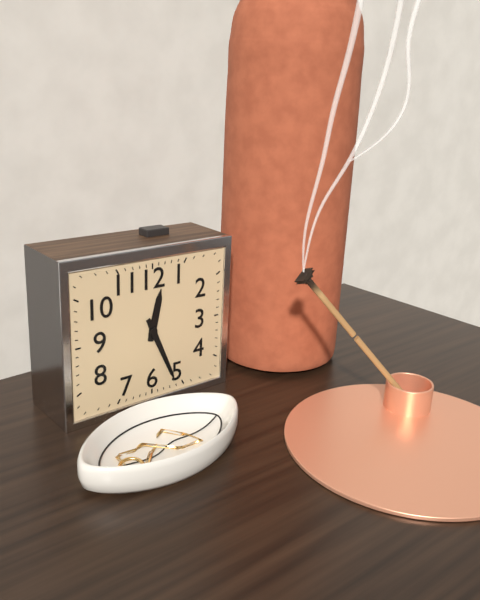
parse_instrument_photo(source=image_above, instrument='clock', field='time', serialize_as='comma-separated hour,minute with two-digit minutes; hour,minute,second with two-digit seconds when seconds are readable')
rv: 12,26
